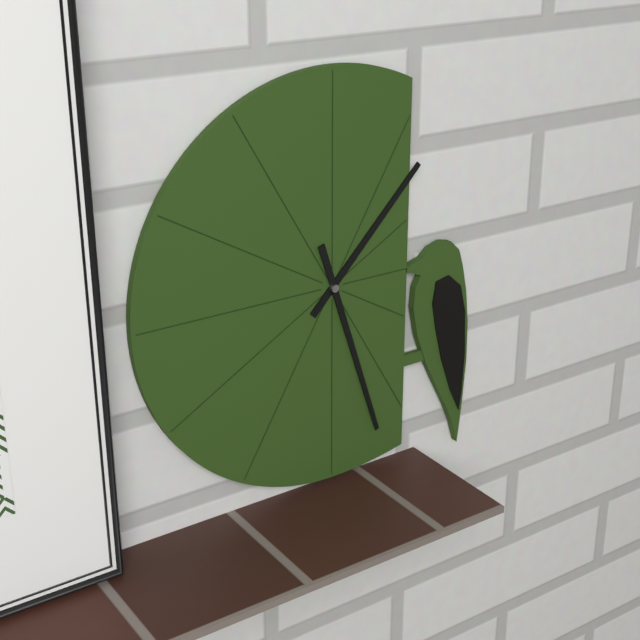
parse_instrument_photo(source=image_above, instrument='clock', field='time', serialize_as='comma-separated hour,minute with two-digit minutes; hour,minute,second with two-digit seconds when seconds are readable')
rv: 1,27
